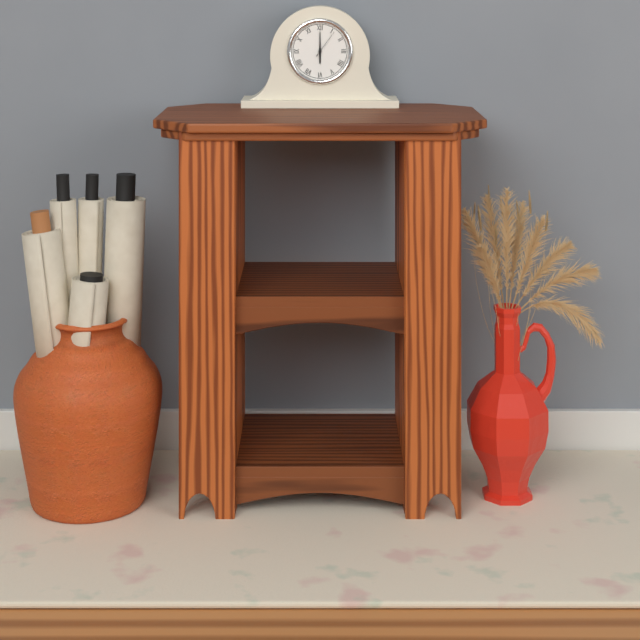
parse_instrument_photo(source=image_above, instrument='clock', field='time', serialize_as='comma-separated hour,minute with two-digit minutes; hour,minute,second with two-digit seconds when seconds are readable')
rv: 6,00
